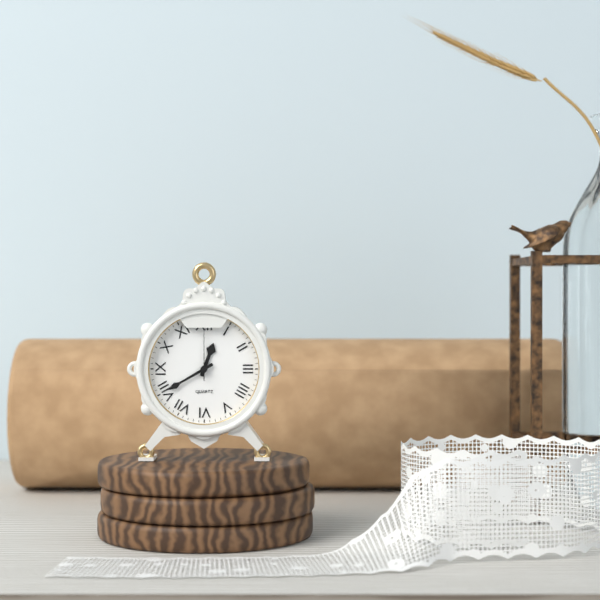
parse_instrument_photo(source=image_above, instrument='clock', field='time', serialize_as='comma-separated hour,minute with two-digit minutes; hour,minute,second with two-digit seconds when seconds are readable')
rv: 12,40,00
